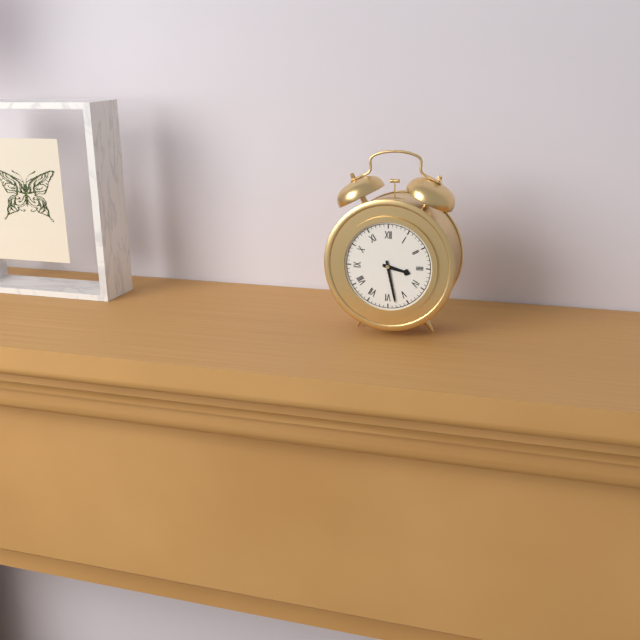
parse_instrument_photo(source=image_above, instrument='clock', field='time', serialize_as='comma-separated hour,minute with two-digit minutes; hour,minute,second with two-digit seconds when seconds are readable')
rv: 3,28
